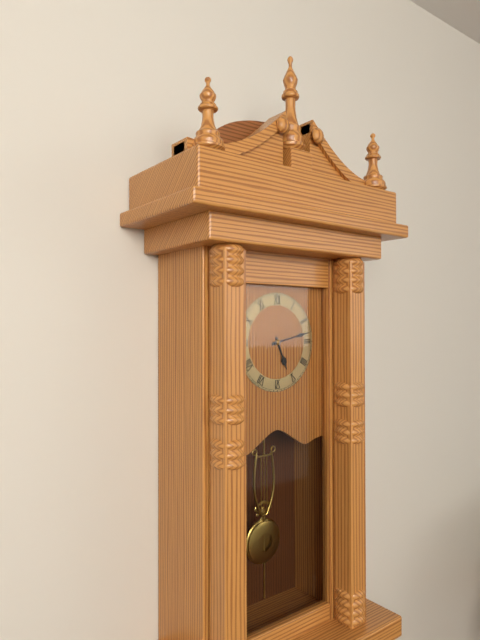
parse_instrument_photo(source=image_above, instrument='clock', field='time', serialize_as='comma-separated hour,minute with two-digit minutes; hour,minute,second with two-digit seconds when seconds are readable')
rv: 5,13
